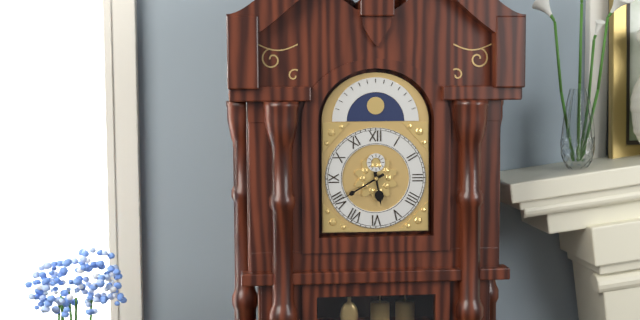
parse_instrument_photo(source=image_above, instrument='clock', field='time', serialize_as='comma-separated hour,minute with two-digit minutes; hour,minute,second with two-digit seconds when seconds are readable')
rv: 5,40
